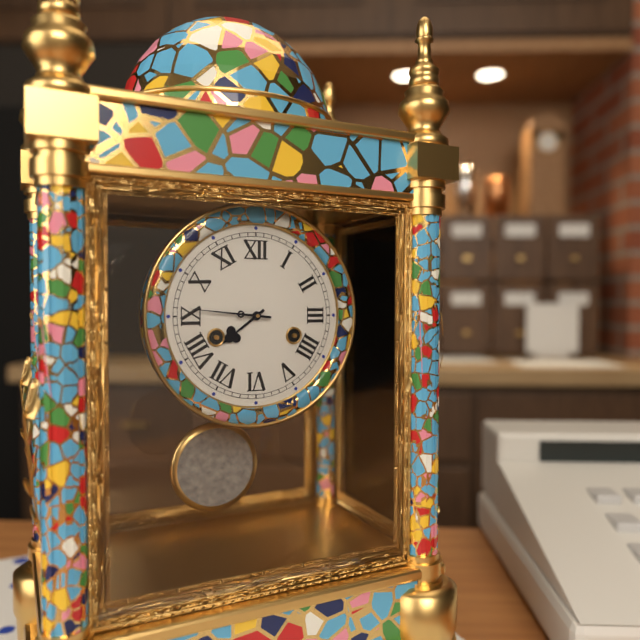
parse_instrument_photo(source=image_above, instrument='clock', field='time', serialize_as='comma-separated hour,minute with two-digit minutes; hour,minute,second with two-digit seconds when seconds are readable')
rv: 7,46
